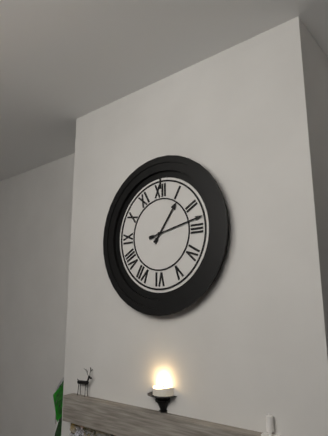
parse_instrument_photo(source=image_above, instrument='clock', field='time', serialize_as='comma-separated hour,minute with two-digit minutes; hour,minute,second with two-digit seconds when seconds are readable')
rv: 1,13
